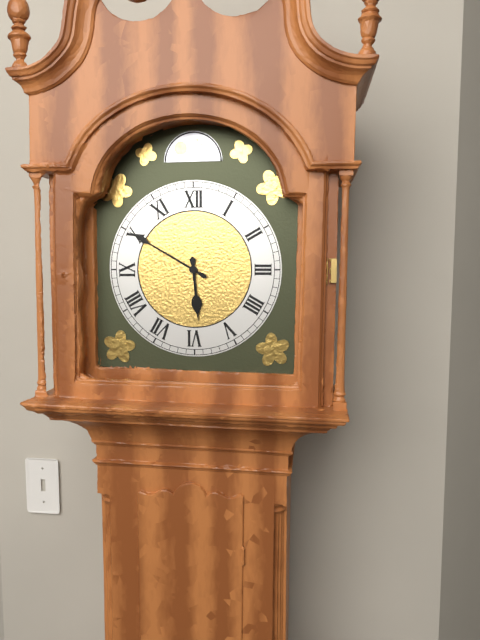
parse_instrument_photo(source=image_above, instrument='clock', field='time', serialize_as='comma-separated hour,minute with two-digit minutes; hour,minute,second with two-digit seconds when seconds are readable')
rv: 5,50
